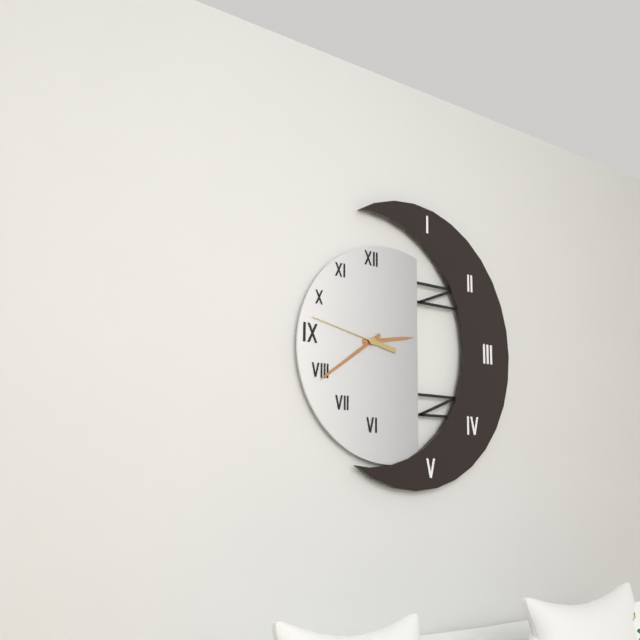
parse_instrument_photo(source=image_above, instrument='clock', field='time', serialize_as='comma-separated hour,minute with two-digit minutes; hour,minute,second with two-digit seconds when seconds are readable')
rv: 2,39,47
